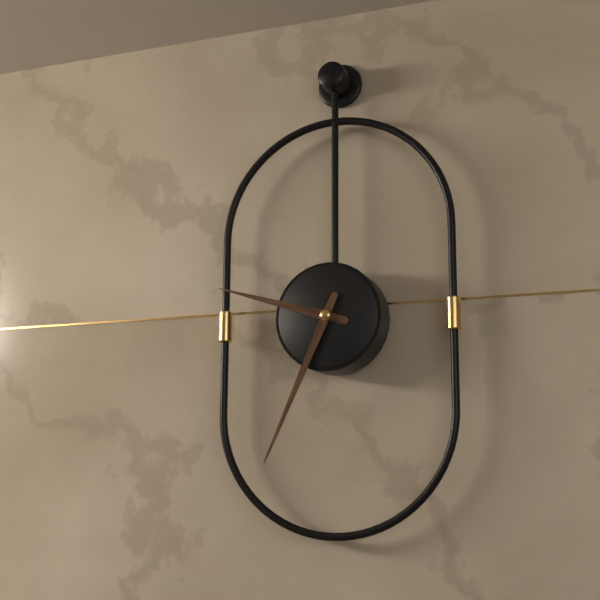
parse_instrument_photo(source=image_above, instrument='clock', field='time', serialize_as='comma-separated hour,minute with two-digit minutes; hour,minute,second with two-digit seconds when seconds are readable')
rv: 9,34
